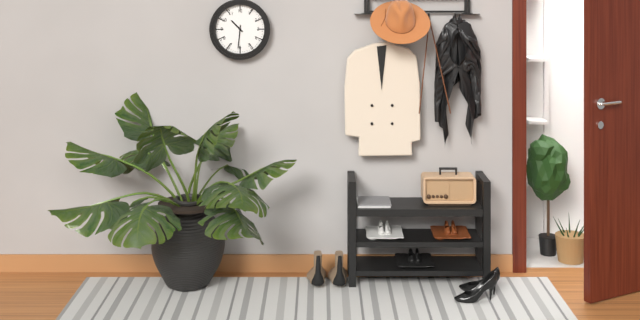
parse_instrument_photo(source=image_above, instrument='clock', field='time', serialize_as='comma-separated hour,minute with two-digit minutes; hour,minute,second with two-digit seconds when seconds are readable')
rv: 10,31
